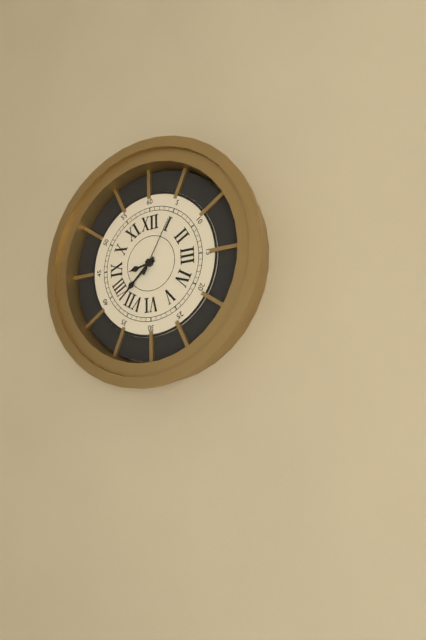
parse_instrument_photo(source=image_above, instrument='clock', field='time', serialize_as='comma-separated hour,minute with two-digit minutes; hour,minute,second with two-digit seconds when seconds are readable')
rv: 8,38,05
